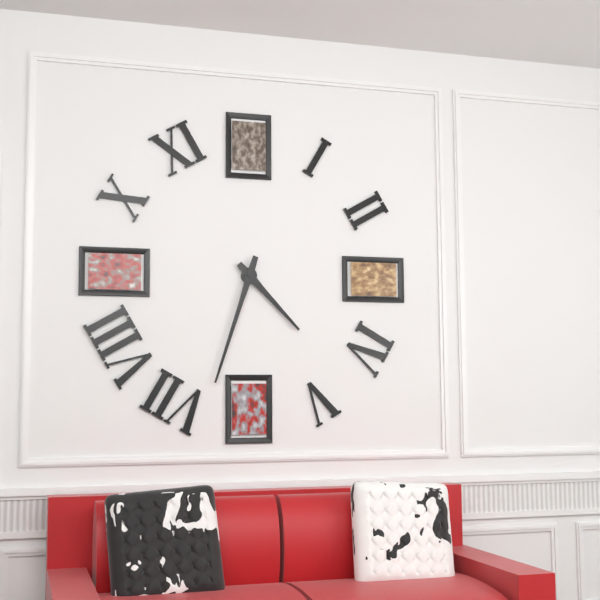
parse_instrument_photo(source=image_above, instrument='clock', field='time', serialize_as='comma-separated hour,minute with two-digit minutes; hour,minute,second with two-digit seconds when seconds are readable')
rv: 4,33
